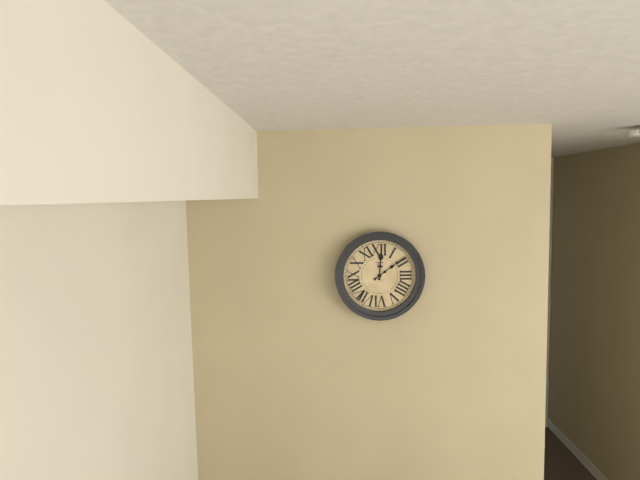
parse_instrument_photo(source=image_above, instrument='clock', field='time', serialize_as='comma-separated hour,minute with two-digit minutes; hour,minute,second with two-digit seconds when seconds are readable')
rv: 12,09
